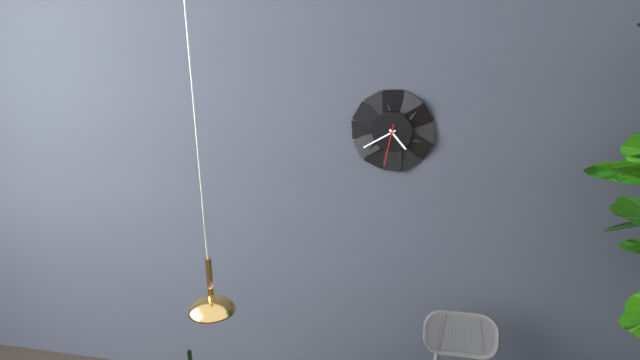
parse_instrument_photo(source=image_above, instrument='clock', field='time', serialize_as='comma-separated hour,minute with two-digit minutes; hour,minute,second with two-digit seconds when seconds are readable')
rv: 4,40
